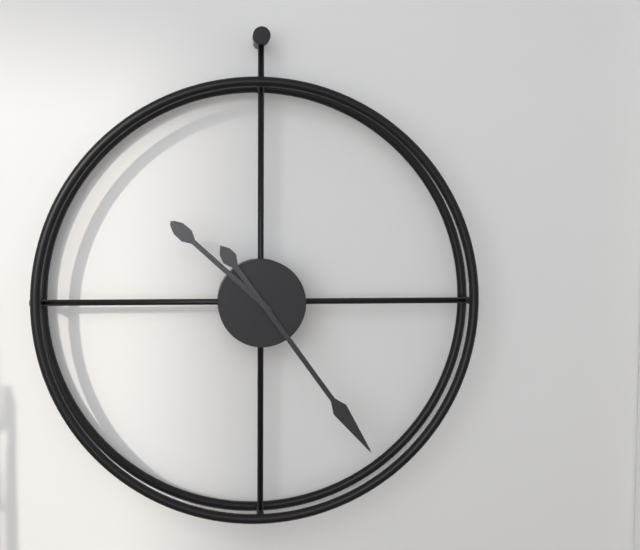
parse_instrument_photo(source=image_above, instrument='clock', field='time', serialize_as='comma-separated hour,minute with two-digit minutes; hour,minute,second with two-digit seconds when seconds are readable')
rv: 10,24
